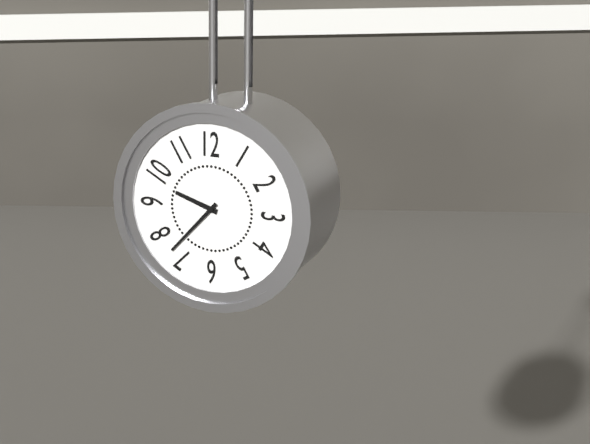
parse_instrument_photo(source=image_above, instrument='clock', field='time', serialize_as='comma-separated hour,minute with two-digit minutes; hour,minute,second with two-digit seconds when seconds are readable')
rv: 9,37
